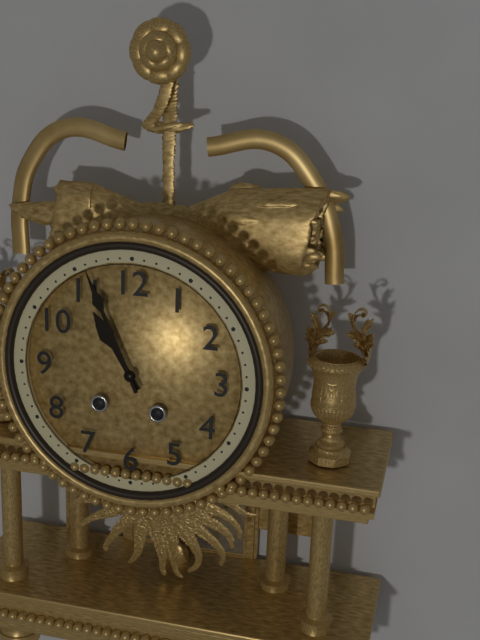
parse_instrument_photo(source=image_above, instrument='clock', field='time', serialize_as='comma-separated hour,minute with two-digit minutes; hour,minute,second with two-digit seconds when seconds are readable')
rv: 10,56
